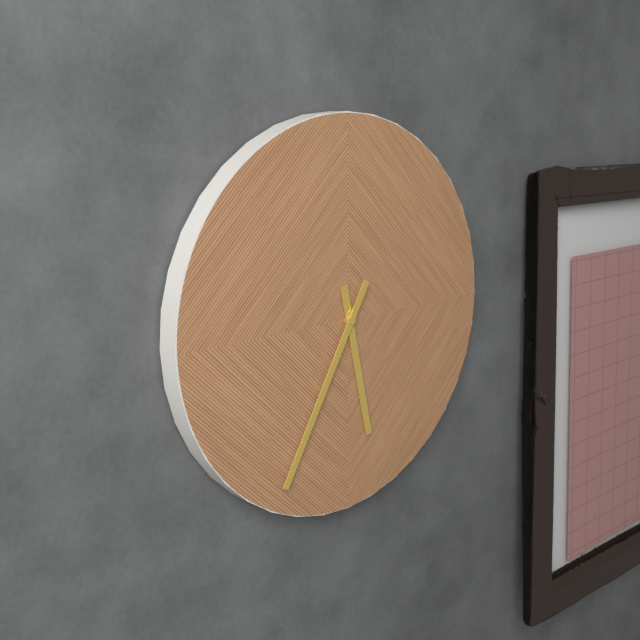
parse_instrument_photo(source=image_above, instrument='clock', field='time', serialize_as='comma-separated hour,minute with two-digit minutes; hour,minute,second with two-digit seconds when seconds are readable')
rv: 5,35
